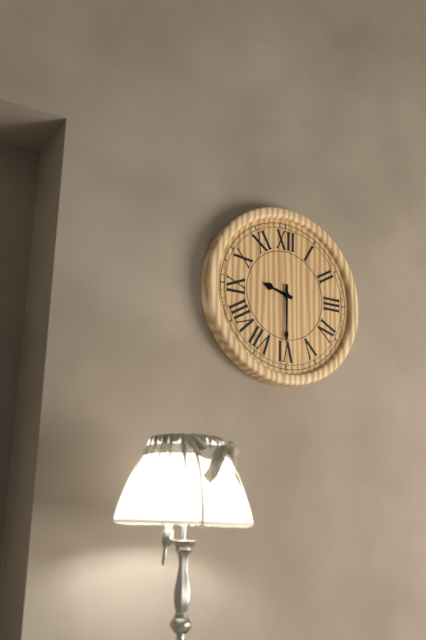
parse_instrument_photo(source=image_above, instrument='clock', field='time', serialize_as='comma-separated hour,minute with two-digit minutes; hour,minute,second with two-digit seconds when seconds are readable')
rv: 9,30
